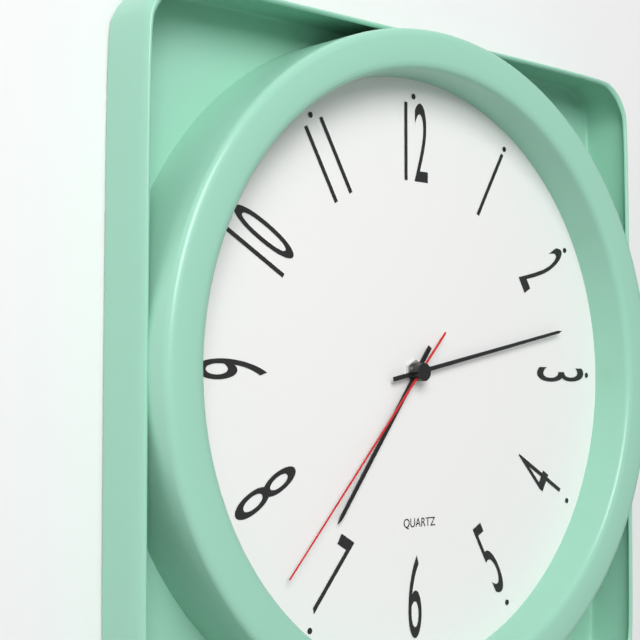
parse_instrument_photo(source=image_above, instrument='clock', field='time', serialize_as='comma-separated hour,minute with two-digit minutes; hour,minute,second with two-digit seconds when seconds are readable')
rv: 7,13,37
